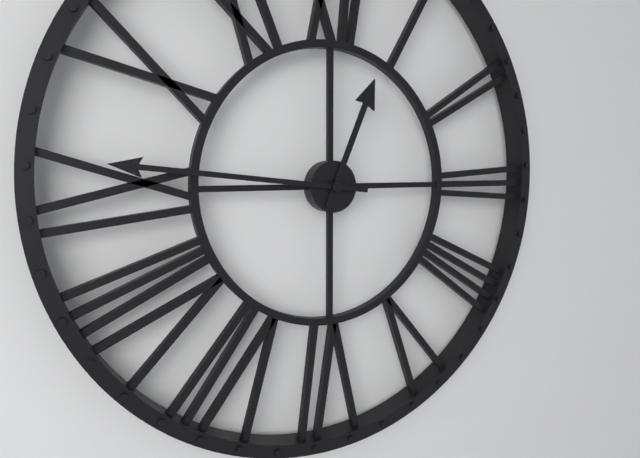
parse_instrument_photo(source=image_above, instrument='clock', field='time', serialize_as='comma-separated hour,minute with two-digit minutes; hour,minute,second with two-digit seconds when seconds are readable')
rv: 12,46
